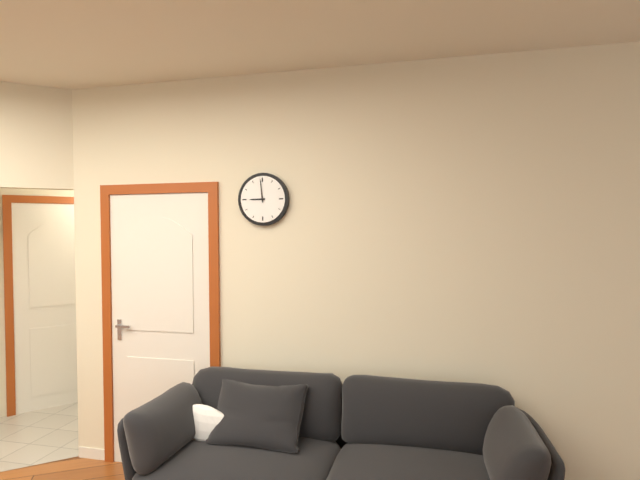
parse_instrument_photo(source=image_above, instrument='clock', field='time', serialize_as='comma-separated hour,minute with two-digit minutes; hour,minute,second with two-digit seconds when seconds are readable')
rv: 8,59
